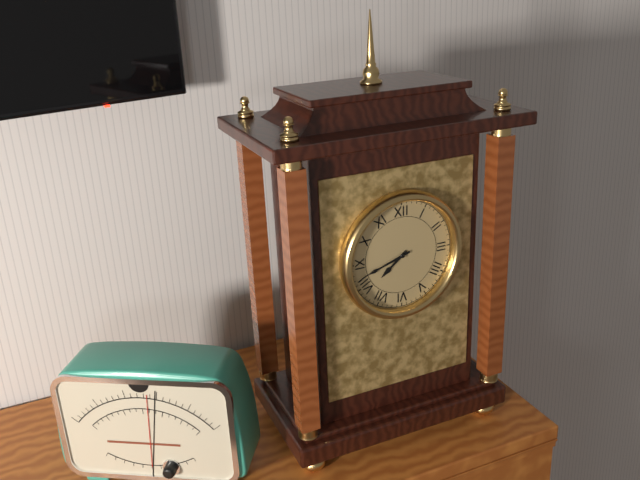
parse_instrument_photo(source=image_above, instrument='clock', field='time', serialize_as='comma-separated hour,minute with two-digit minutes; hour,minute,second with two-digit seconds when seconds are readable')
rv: 7,42
